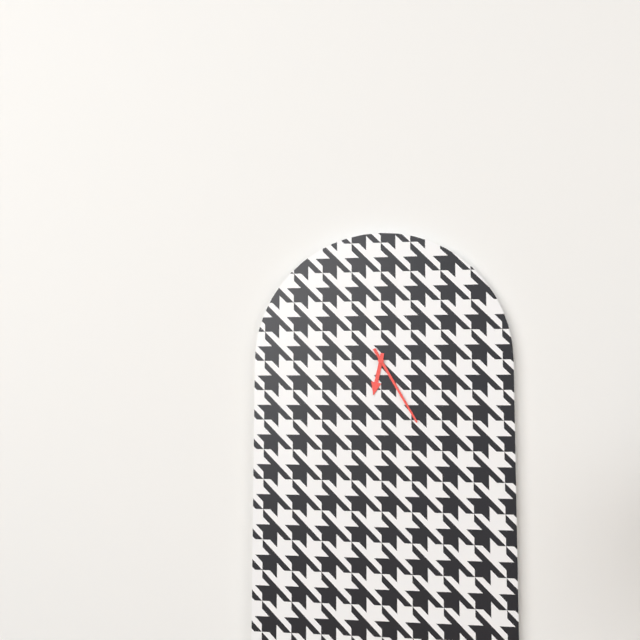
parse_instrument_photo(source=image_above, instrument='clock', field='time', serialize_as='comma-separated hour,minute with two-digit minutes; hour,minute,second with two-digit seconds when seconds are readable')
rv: 6,25
